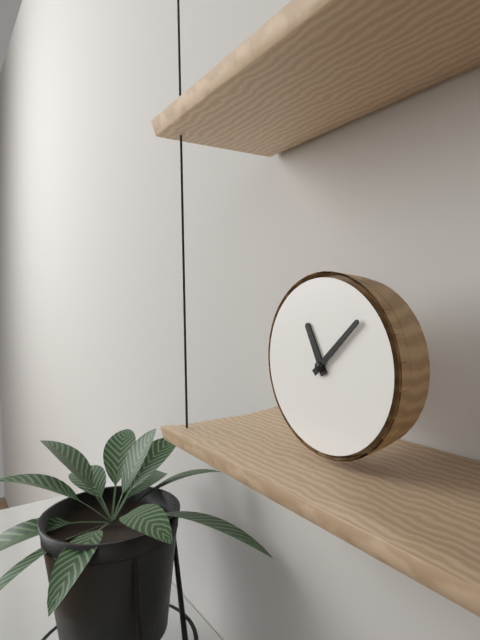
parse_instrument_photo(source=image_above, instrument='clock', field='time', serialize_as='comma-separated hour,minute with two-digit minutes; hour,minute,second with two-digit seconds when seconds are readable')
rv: 11,08
